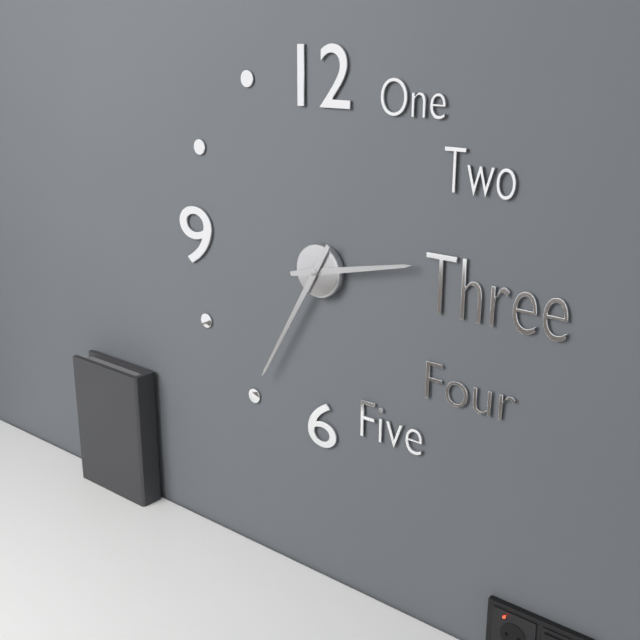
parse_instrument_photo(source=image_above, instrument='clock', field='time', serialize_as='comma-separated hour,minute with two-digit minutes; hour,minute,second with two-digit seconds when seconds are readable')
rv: 2,35
